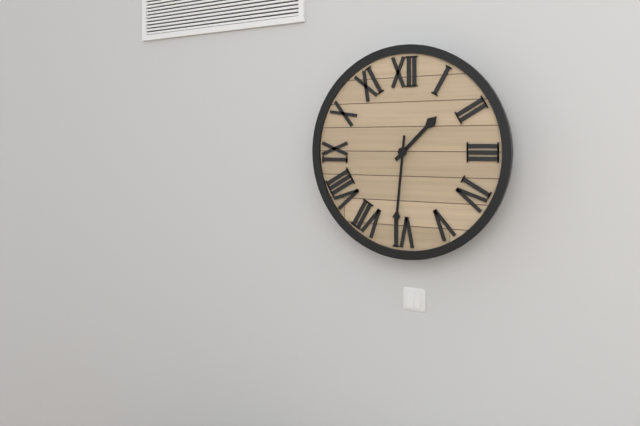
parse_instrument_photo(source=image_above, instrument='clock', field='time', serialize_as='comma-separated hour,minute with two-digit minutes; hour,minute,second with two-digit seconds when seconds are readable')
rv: 1,31
